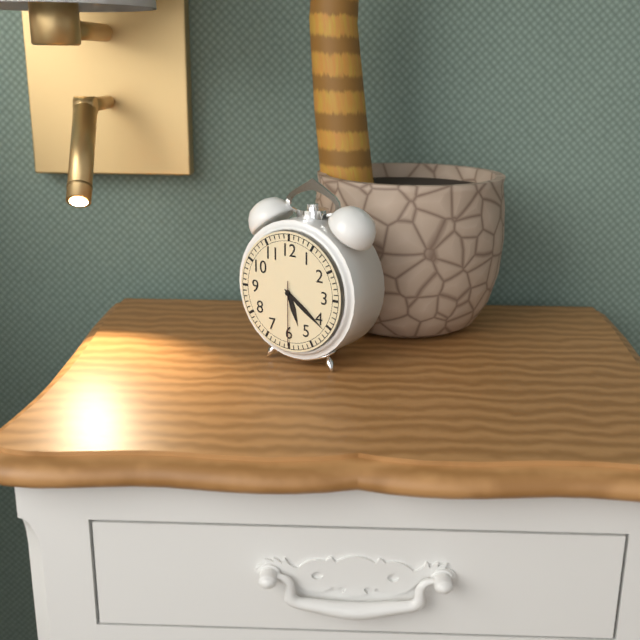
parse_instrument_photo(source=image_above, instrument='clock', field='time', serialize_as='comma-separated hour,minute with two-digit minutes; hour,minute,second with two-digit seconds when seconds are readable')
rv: 5,21,30
